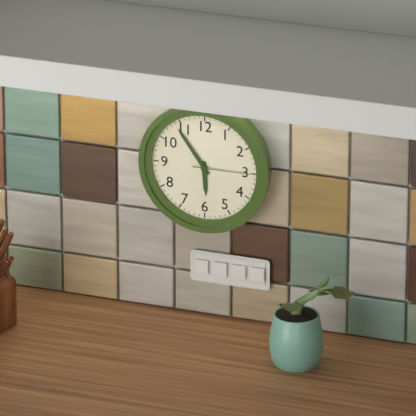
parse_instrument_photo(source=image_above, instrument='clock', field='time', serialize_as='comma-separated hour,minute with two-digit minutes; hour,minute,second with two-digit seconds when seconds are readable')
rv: 5,54,15
